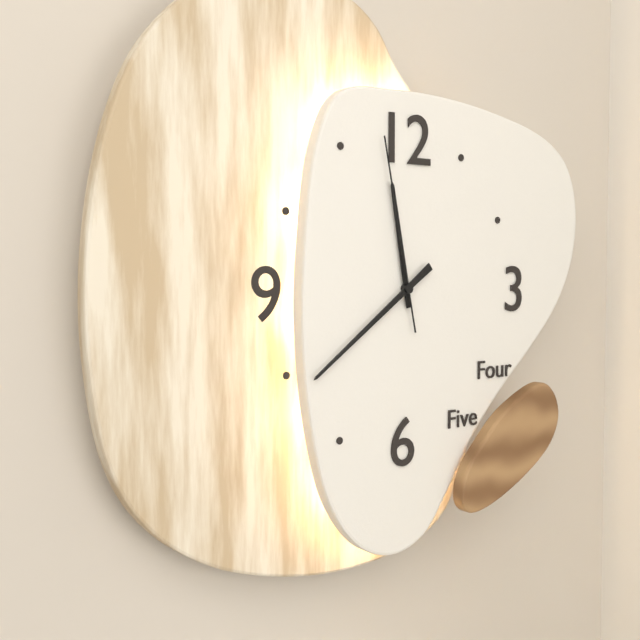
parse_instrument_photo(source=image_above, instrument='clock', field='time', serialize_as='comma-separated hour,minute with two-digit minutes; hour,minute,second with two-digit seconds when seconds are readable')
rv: 11,39,58
